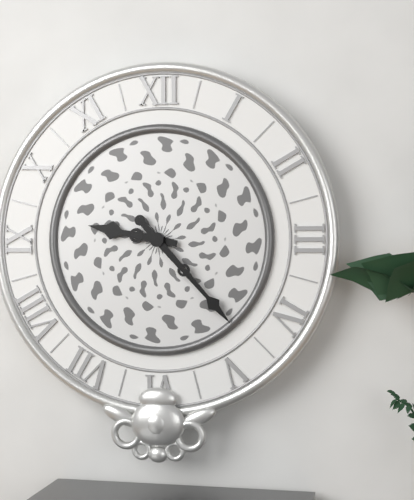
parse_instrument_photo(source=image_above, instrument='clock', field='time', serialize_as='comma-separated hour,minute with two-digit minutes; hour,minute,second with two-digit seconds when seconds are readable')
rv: 9,23
